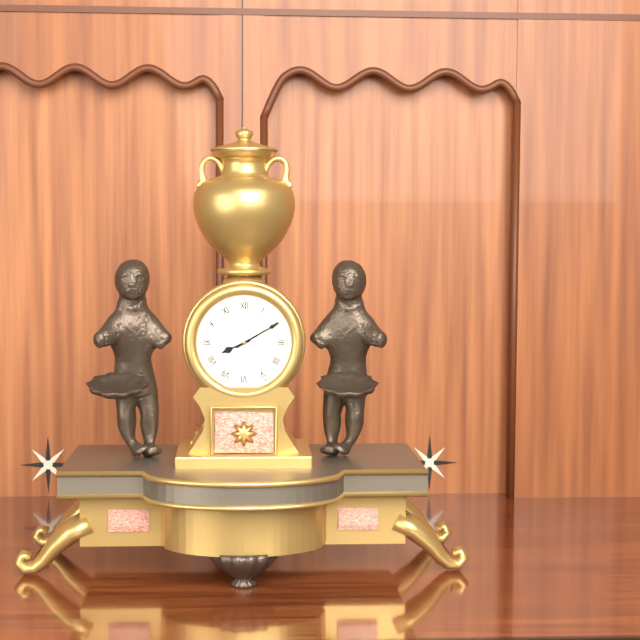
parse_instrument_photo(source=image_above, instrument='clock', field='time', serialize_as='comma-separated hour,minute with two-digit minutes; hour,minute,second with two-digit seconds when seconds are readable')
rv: 8,10
